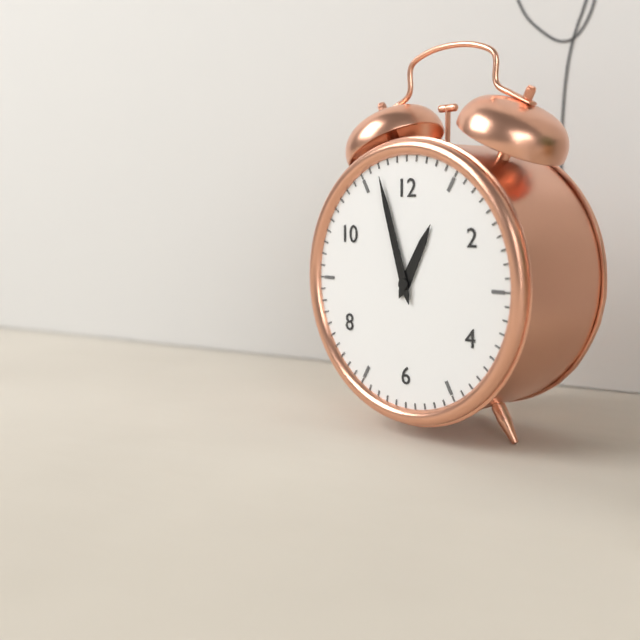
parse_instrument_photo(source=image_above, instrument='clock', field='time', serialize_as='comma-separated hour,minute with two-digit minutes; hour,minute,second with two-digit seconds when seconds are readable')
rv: 12,57
